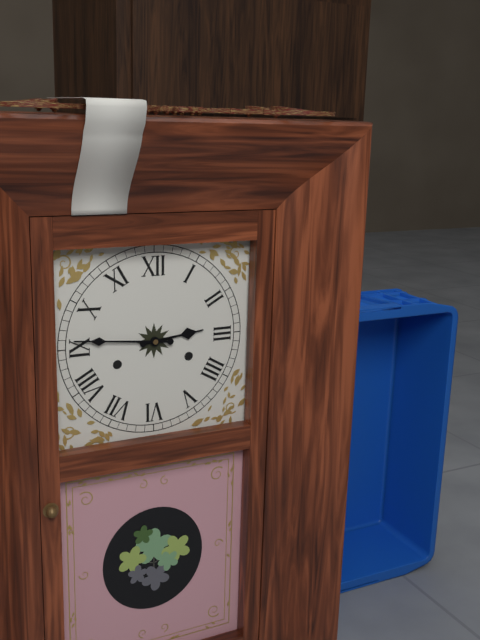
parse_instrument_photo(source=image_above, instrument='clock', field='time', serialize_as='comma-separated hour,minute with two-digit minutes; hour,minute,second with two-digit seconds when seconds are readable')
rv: 2,46
